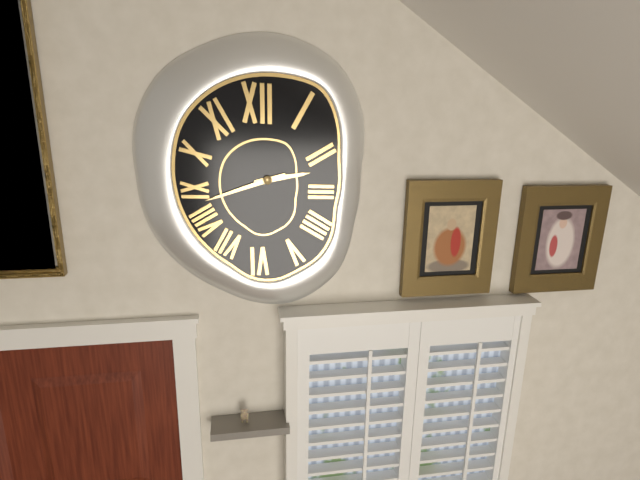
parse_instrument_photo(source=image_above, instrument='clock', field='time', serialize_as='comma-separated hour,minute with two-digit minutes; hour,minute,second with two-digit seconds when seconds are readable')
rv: 2,42
